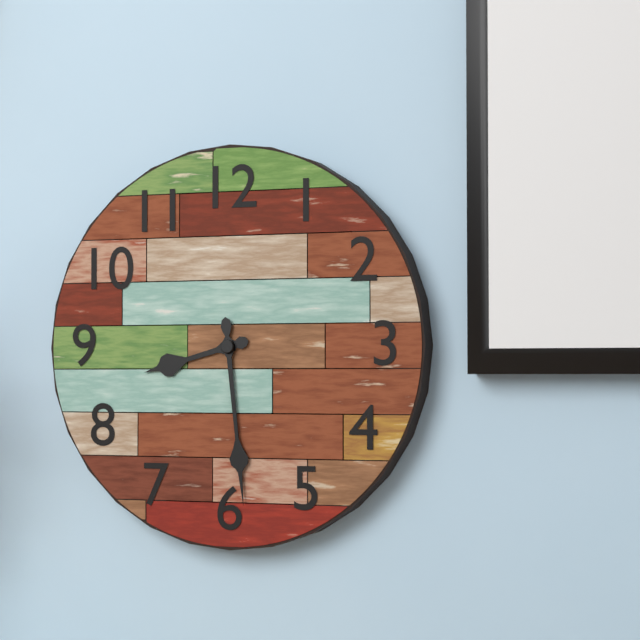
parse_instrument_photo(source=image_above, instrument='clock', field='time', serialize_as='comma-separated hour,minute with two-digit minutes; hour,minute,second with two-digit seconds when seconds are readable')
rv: 8,29
